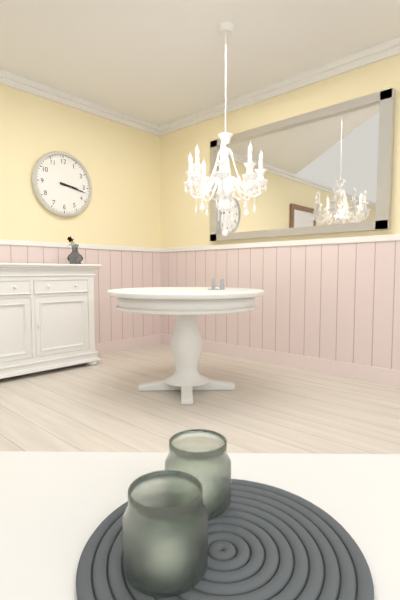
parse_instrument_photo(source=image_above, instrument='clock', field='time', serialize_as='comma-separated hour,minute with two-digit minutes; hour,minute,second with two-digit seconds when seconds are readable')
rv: 3,17
